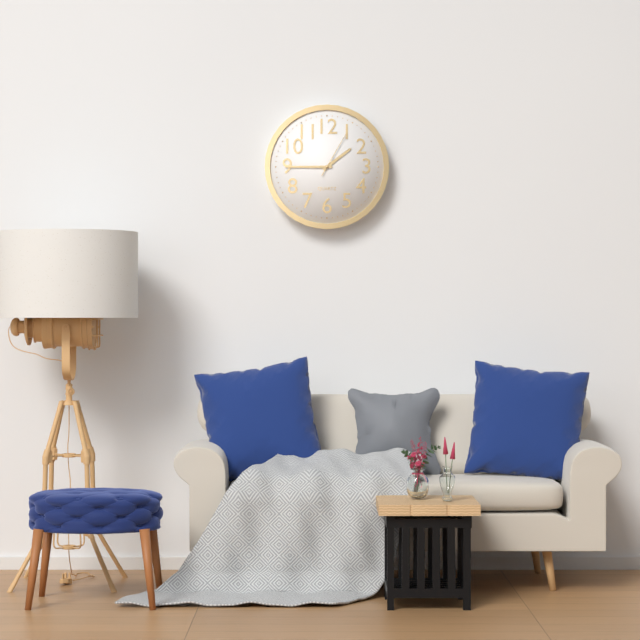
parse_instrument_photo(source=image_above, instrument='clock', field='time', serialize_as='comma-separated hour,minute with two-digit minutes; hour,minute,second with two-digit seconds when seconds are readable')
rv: 1,45
